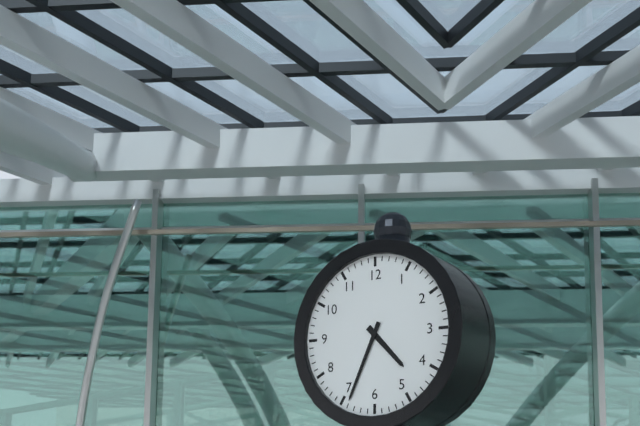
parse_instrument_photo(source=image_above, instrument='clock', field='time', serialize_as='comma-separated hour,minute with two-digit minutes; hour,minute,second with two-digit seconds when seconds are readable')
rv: 4,34
